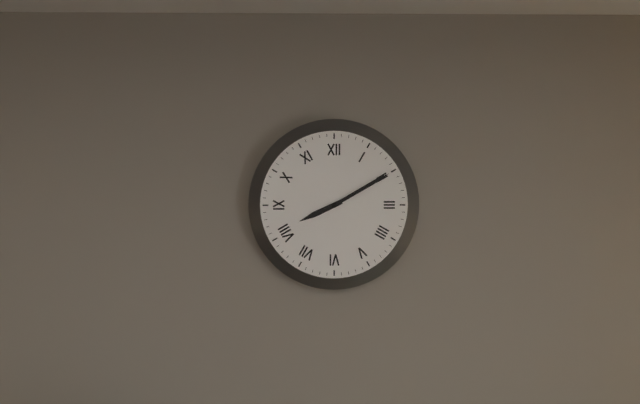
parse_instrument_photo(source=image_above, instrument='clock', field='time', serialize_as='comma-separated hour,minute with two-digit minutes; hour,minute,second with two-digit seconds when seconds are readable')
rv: 8,10
